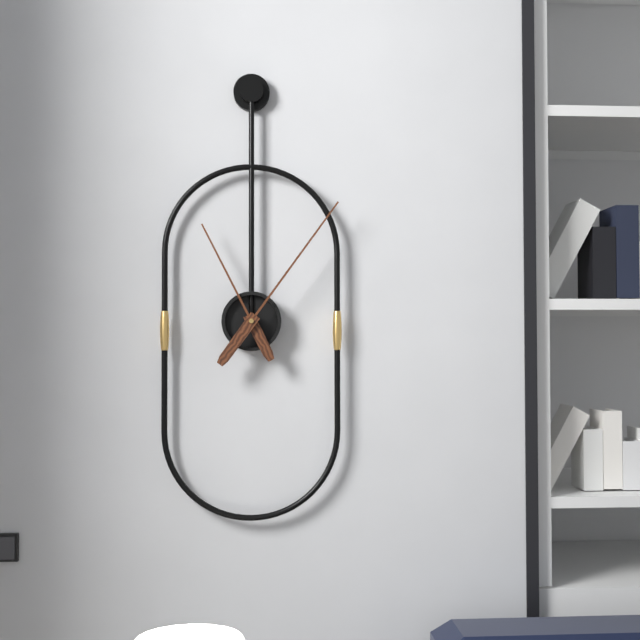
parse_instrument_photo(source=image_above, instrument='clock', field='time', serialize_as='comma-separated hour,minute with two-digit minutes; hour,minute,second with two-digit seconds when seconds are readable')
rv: 11,06
